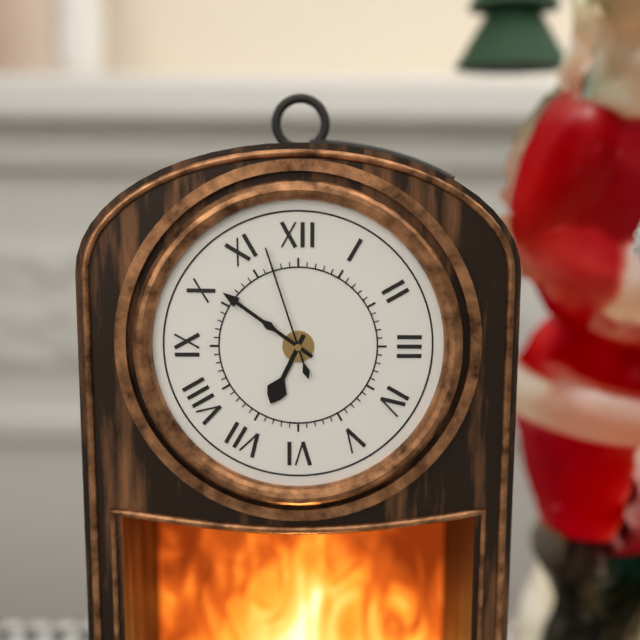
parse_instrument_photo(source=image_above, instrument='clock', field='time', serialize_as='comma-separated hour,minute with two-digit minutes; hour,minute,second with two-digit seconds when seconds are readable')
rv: 6,51,57
